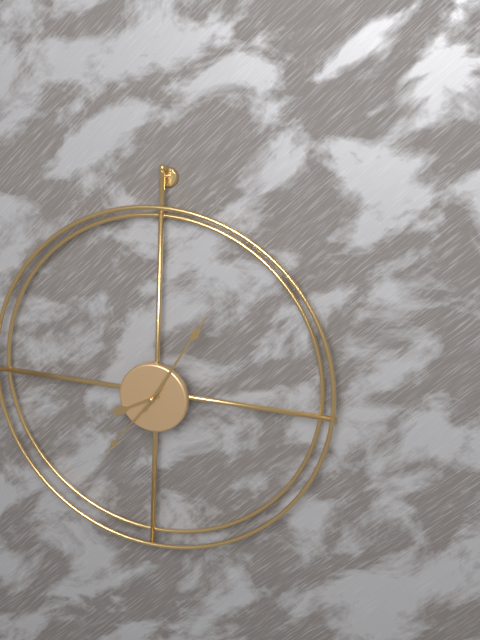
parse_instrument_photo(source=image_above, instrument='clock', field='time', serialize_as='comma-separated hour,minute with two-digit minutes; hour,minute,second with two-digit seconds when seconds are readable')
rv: 8,05,36
